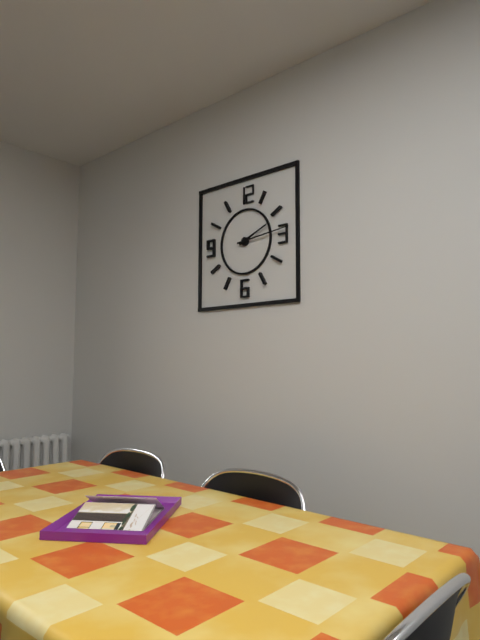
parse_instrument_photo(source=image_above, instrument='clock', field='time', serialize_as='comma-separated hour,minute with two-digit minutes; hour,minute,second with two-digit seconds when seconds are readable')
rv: 2,14
